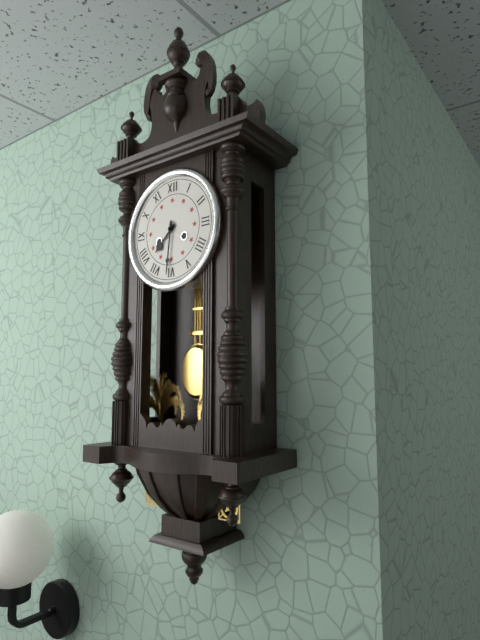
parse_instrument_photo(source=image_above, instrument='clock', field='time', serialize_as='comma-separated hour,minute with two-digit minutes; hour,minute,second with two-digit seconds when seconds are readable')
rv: 7,31
